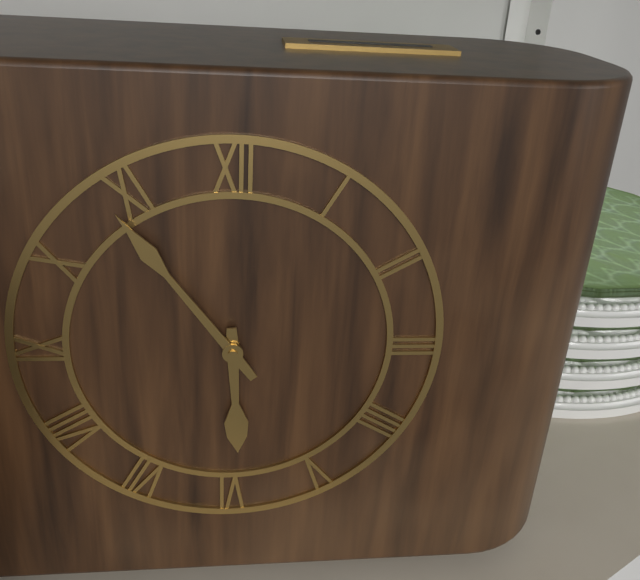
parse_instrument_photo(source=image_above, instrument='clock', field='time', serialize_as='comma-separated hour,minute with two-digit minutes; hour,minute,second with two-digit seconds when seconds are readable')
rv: 5,54
